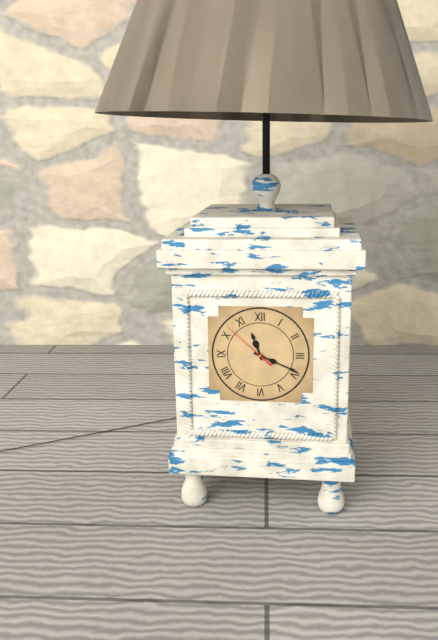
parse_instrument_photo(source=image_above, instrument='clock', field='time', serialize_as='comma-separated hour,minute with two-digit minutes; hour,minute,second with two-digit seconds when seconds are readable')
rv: 11,19,52
